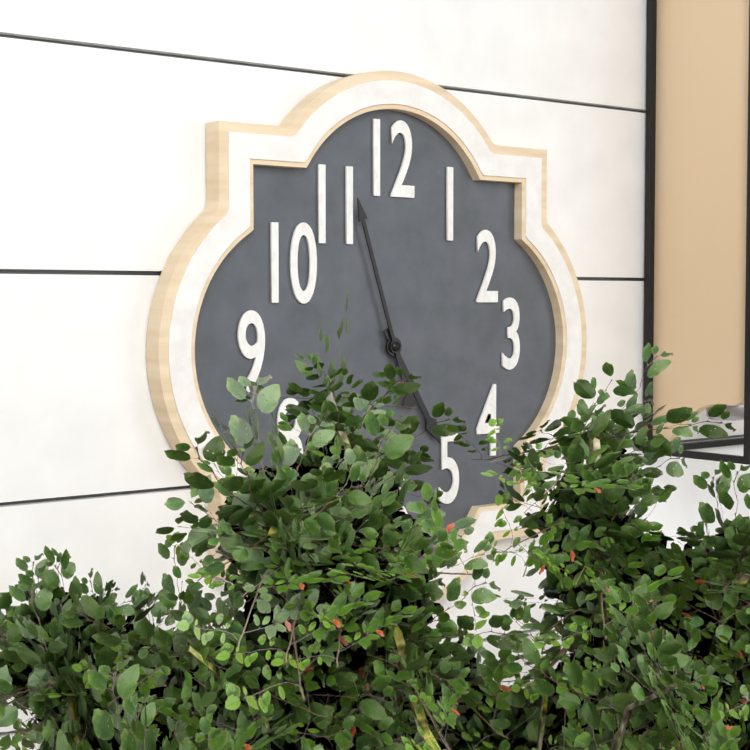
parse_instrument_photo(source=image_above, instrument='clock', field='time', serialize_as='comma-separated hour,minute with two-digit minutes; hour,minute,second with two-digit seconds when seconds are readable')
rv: 4,57
